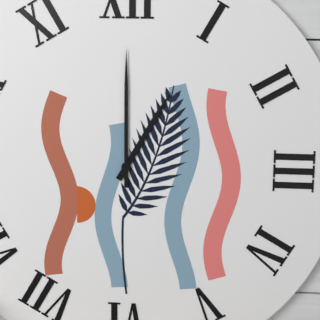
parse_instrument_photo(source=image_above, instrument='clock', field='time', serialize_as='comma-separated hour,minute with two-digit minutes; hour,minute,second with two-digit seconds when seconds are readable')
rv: 1,00
